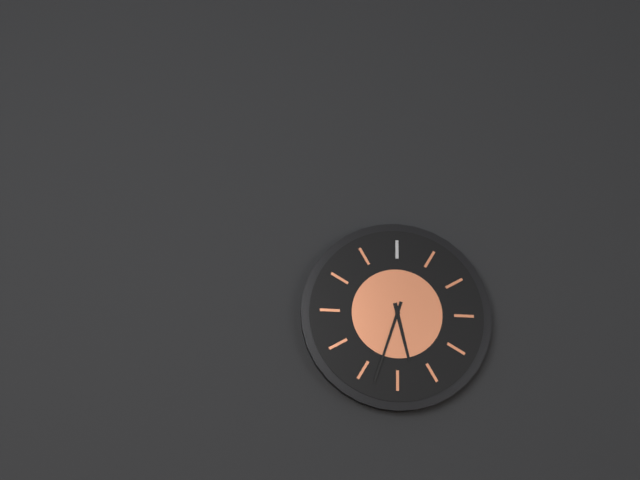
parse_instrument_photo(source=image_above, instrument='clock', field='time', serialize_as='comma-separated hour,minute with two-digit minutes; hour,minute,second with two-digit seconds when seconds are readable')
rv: 5,33
